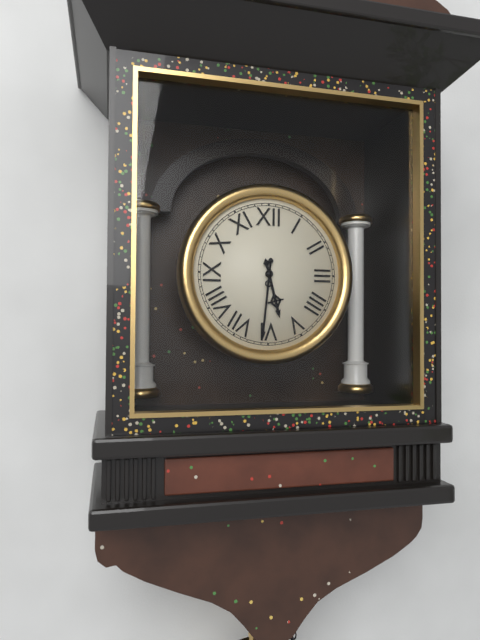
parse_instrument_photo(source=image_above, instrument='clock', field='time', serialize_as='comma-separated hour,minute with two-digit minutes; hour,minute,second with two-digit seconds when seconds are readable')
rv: 5,31
